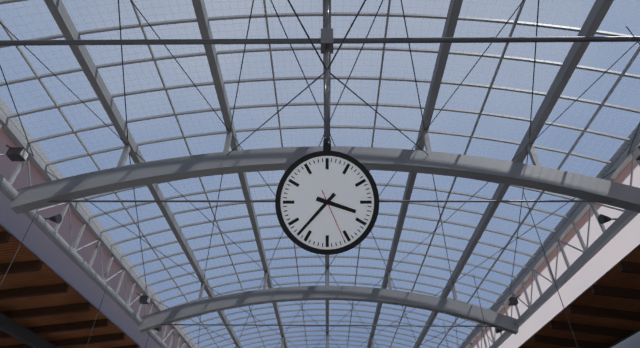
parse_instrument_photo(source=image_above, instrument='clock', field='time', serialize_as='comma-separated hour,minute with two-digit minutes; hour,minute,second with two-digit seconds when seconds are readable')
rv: 3,37,26
